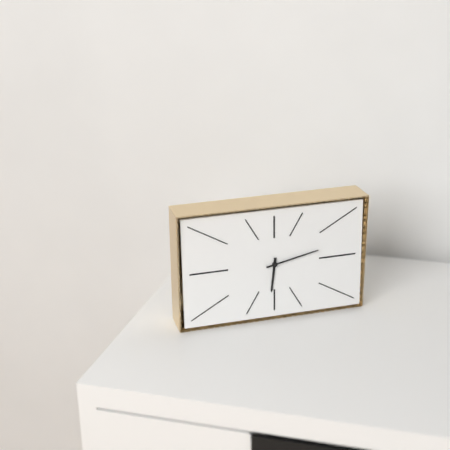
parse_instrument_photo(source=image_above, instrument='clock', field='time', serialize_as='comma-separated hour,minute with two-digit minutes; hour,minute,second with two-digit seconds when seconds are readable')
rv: 6,13
